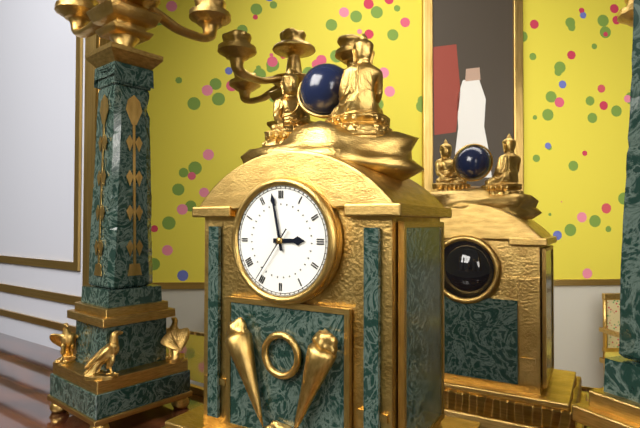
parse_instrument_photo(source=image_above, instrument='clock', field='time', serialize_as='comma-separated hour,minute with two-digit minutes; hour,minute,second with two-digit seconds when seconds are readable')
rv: 2,58,36
